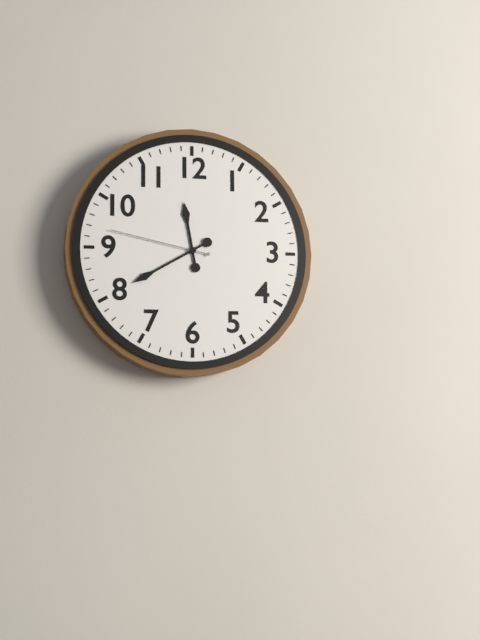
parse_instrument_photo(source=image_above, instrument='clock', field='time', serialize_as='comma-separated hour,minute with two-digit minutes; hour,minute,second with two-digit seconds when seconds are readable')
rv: 11,40,47
